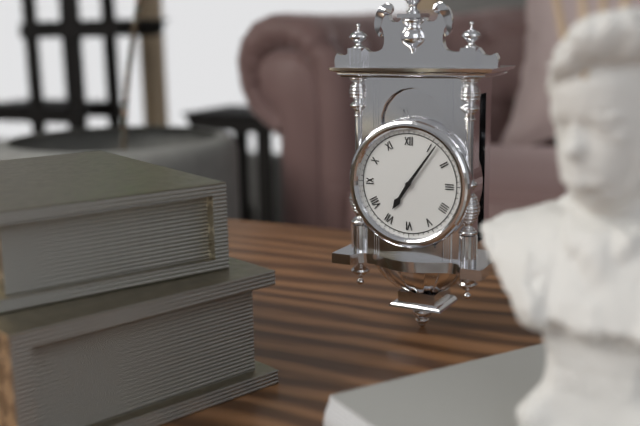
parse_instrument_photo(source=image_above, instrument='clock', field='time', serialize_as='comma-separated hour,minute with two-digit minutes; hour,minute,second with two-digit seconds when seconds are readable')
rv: 7,06
